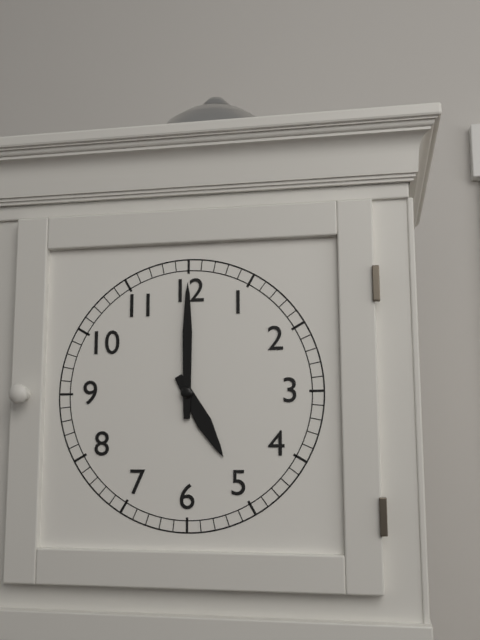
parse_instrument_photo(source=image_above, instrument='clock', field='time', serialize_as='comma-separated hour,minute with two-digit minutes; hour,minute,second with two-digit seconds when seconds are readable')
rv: 5,00
